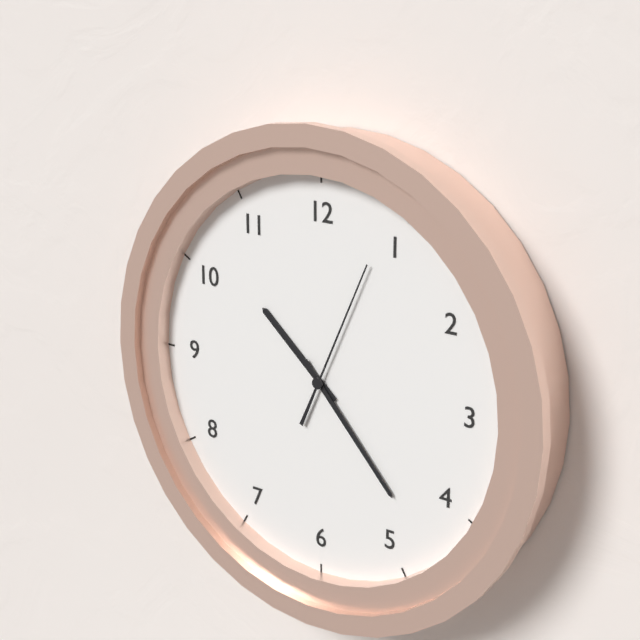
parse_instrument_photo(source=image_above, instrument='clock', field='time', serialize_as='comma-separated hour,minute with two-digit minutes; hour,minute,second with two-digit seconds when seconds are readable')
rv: 10,23,04
